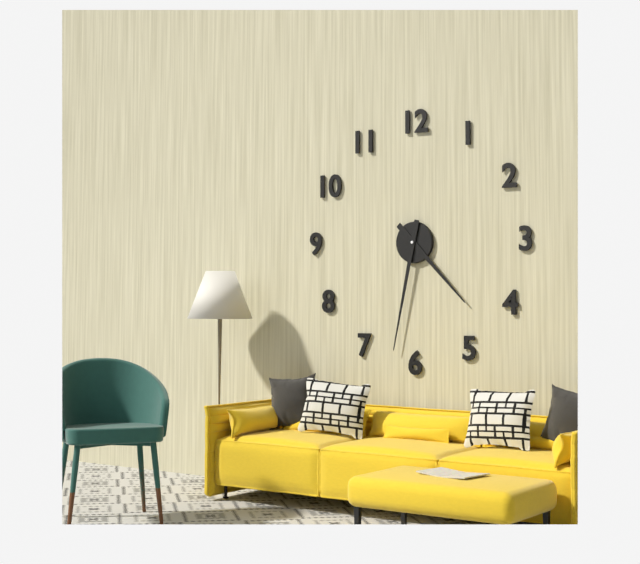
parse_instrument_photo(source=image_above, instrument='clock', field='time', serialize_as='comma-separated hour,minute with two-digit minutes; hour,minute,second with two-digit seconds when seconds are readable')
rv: 4,32
